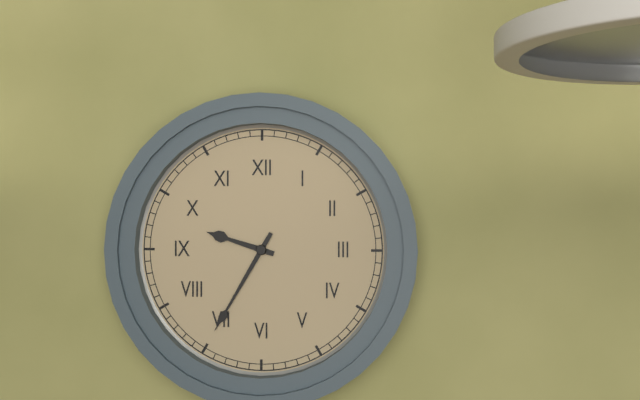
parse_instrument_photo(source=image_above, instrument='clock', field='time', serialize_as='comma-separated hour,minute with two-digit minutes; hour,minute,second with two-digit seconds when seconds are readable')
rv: 9,35
